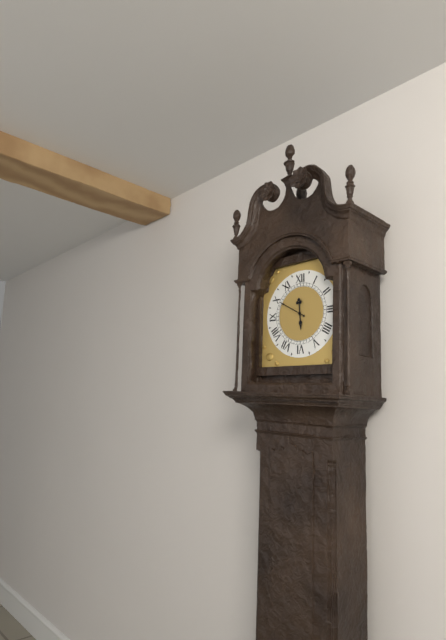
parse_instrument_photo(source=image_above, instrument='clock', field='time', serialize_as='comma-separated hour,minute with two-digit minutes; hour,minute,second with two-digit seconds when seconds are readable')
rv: 5,50
